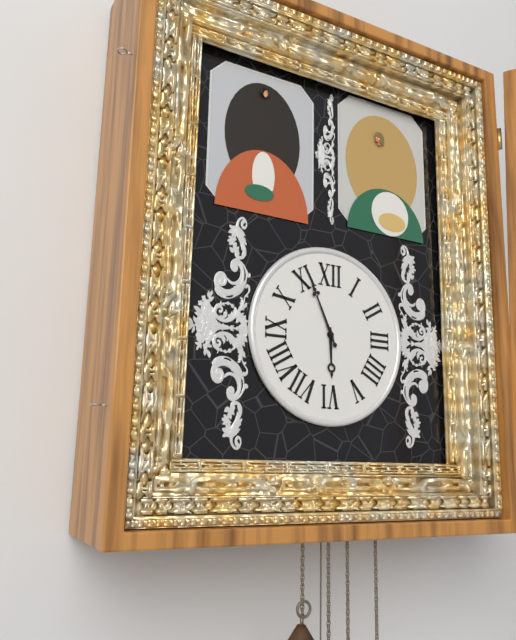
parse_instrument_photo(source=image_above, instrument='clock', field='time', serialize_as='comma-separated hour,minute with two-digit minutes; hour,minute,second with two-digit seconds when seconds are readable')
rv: 5,56
